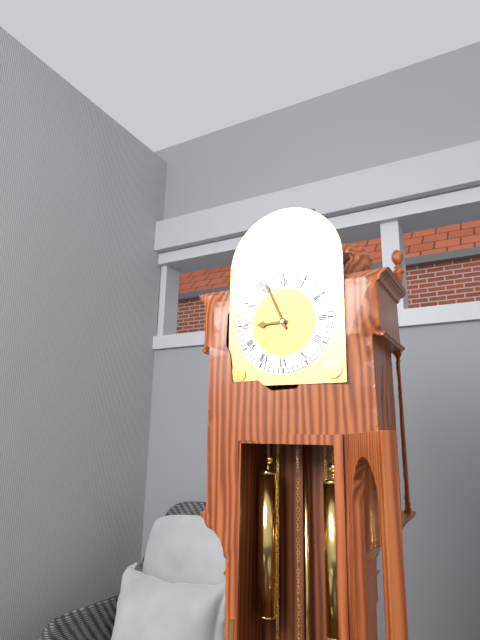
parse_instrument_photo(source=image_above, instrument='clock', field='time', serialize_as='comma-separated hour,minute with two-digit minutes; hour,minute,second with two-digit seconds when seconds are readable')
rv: 8,56
